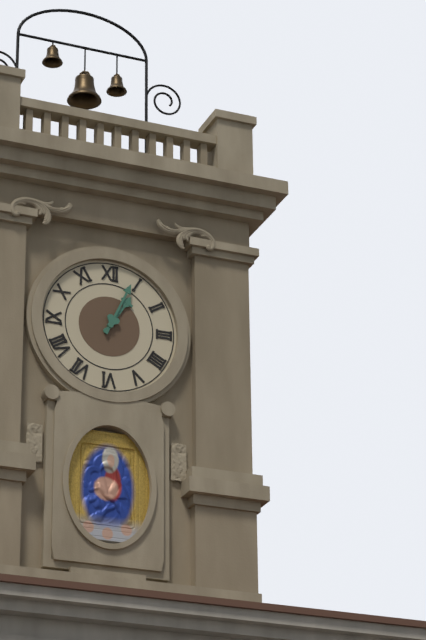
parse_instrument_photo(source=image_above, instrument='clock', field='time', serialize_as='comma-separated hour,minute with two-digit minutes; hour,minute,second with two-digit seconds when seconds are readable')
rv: 1,04
